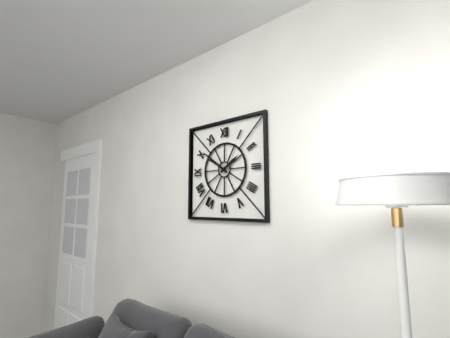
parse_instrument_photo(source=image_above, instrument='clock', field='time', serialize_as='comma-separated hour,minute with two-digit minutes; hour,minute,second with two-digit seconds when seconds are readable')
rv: 1,51
